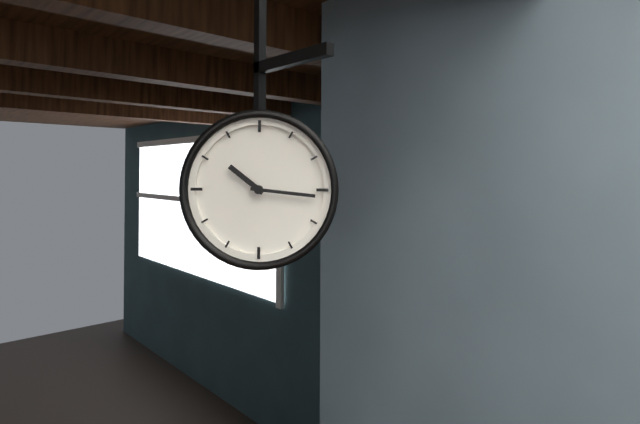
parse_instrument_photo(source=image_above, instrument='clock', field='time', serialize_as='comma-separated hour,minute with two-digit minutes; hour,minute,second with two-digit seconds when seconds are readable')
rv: 10,16
